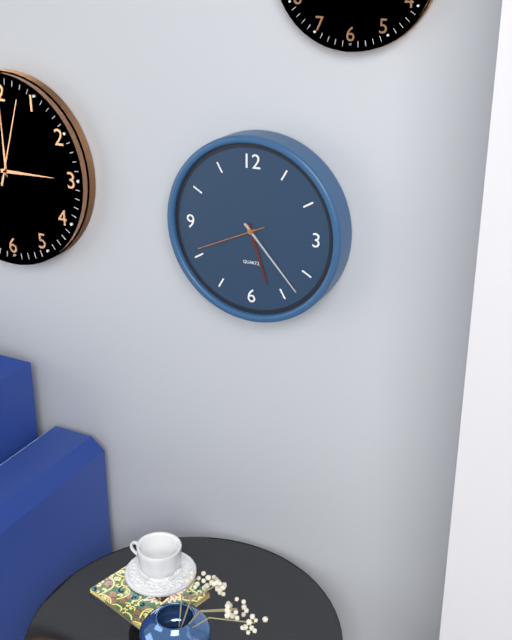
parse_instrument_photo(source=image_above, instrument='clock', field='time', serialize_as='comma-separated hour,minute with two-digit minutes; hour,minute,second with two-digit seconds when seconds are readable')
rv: 5,23,41
